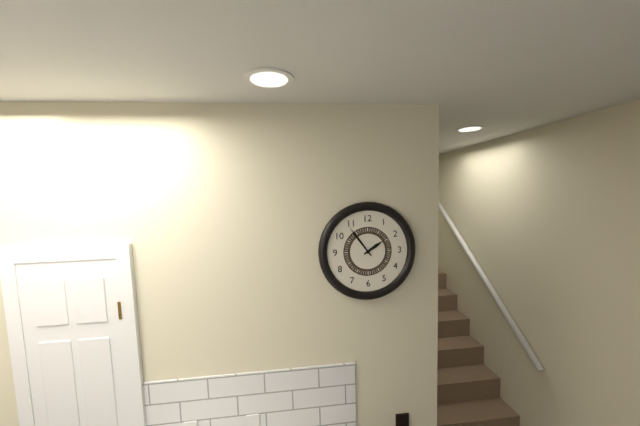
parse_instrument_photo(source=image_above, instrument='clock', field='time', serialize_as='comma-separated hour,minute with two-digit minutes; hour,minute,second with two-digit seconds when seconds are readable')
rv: 1,54
